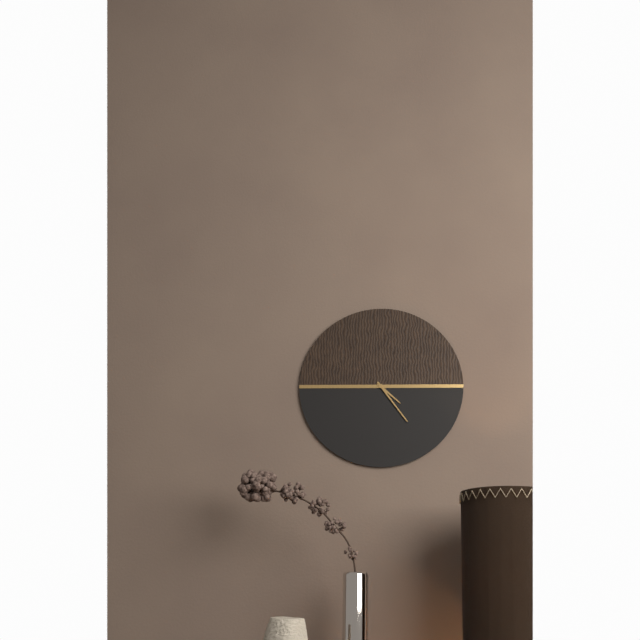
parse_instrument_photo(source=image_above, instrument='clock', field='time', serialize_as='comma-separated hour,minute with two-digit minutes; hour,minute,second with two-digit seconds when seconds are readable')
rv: 4,24
